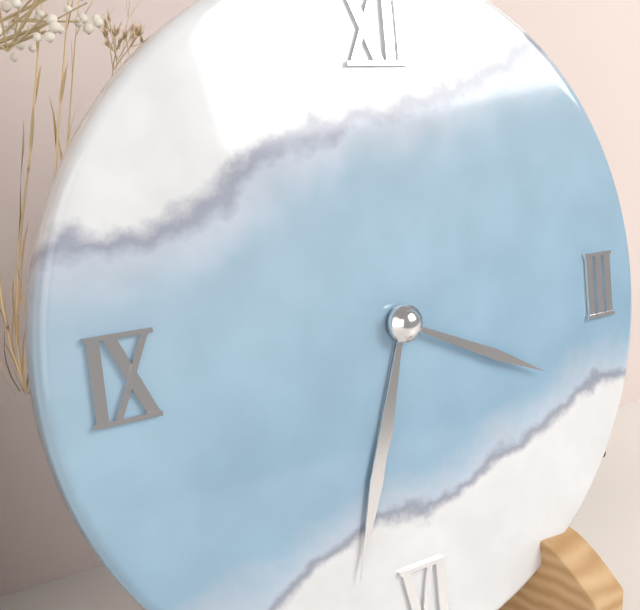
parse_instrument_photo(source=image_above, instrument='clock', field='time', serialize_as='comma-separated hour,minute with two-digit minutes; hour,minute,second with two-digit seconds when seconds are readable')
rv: 6,33,19
